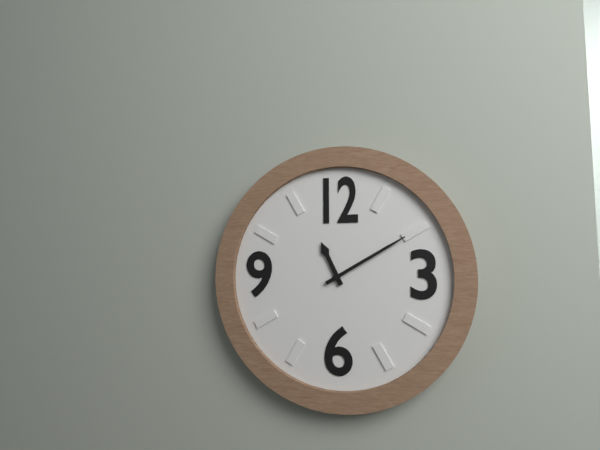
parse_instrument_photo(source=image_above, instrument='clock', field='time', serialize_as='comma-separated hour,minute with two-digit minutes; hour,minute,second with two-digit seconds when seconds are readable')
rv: 11,10
